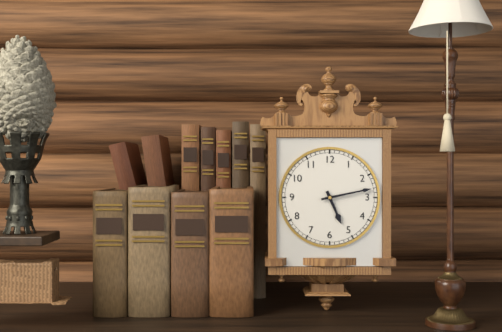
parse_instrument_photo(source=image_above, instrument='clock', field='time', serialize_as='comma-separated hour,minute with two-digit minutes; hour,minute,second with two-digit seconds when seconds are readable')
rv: 5,13
